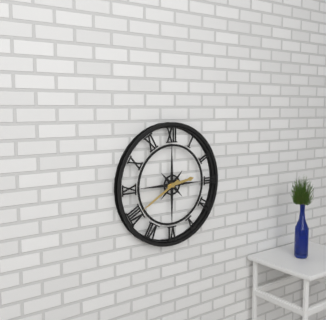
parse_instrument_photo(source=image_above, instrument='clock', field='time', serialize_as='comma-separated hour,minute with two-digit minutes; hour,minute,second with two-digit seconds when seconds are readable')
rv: 2,40
